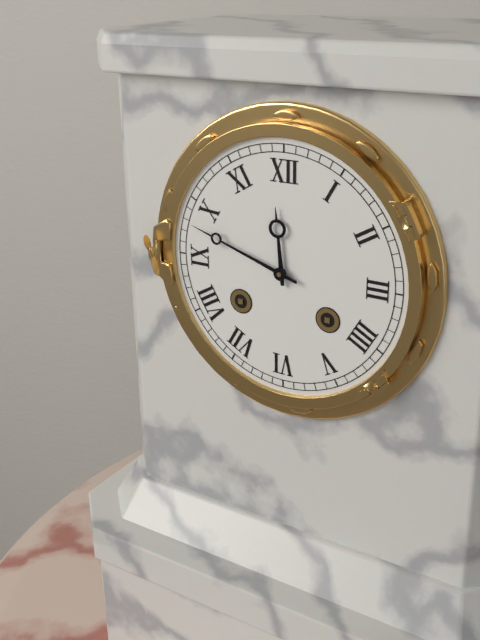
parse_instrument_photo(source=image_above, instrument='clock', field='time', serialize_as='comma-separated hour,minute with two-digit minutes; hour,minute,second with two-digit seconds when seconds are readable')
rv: 11,48
